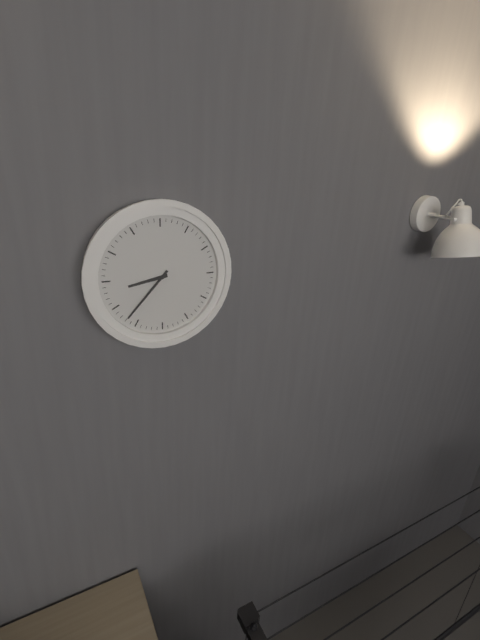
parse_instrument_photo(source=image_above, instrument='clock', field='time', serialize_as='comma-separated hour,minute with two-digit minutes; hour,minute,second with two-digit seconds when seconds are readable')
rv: 8,37
